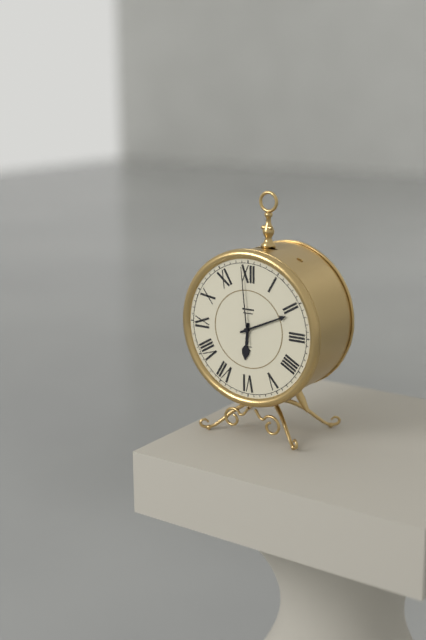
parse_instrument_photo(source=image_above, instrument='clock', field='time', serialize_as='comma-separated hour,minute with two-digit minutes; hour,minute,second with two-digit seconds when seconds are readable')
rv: 6,11,59
